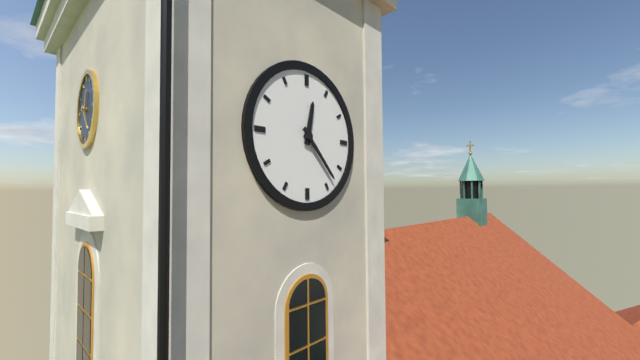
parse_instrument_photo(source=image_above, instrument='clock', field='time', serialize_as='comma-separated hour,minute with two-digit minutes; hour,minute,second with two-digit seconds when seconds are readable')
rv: 12,23
